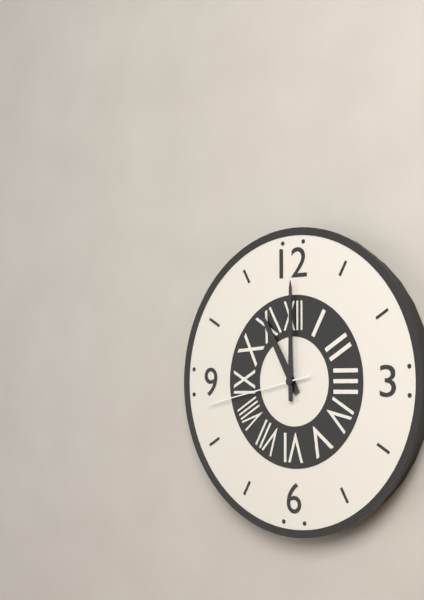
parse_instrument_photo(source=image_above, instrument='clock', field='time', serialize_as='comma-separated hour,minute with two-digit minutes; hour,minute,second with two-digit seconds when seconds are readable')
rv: 11,00,43
